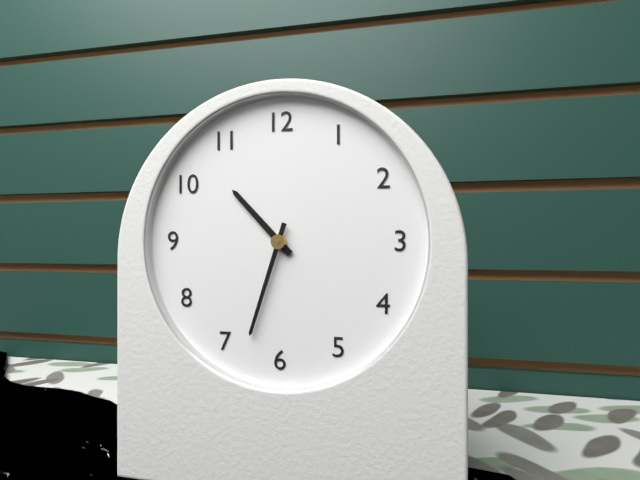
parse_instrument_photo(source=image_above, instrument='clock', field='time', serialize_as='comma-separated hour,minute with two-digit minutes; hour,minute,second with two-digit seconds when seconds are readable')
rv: 10,33
